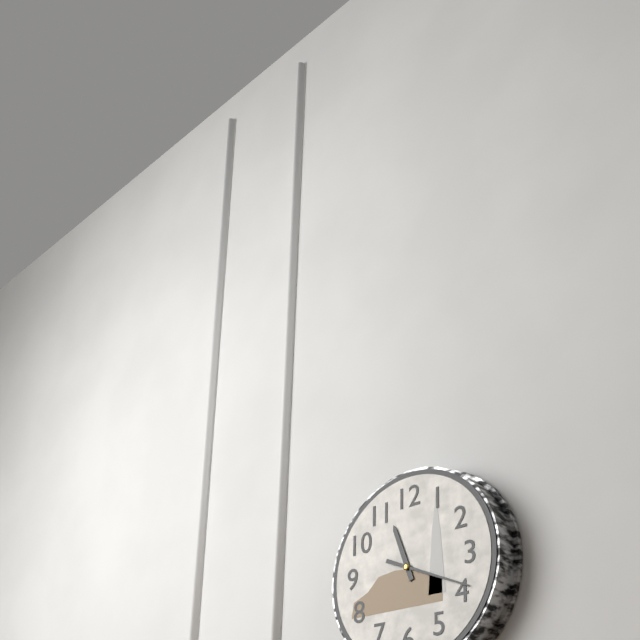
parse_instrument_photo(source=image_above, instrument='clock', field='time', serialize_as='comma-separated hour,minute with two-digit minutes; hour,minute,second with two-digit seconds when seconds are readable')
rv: 11,19
